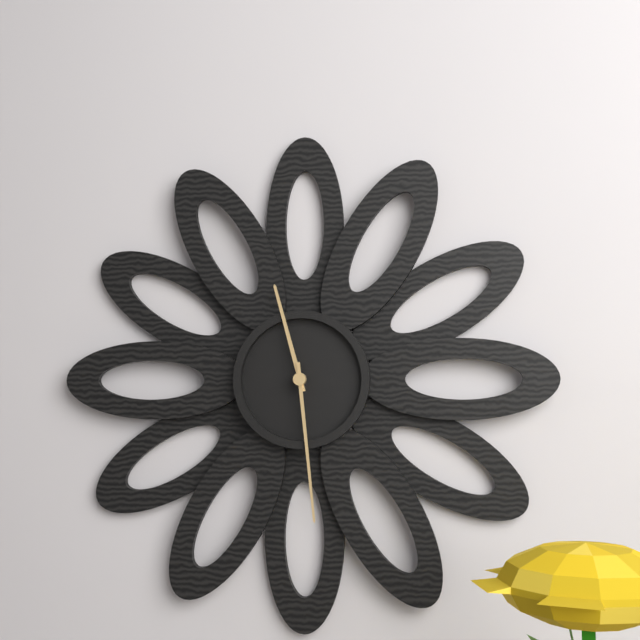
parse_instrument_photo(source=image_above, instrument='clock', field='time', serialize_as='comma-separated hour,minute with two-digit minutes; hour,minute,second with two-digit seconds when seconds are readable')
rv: 11,29
